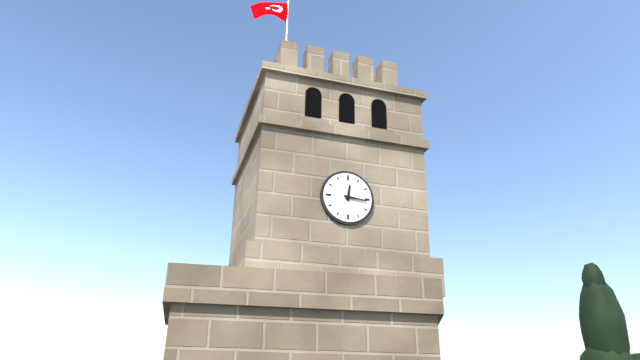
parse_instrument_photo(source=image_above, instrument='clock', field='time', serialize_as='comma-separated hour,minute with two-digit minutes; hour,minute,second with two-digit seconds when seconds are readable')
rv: 12,16
